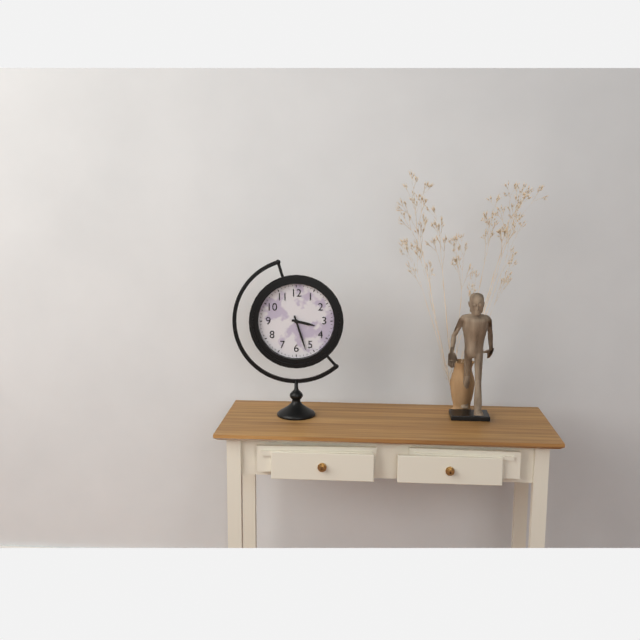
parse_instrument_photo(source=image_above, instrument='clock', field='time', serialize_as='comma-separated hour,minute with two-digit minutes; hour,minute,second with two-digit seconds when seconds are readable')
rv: 3,27
